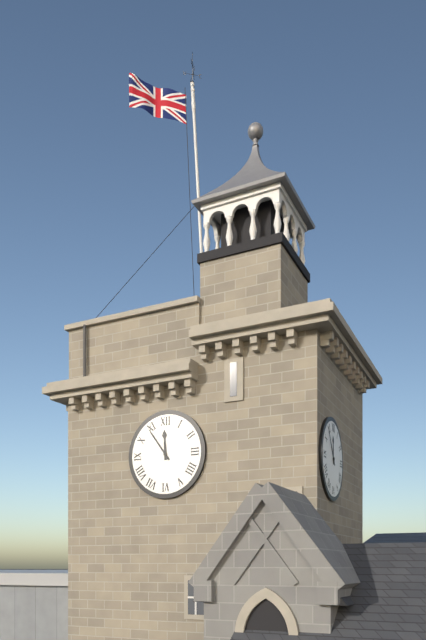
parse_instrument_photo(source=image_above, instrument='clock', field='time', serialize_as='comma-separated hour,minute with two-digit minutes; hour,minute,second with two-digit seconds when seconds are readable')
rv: 11,54
